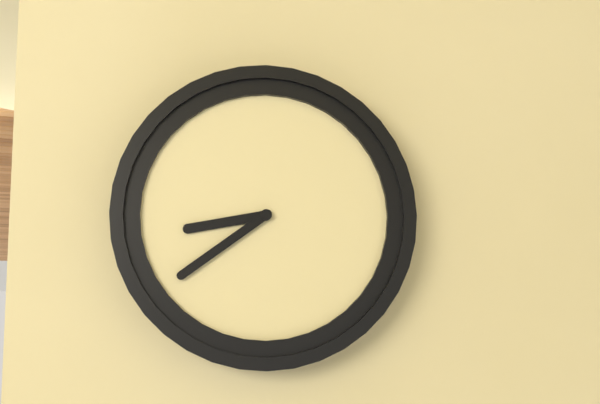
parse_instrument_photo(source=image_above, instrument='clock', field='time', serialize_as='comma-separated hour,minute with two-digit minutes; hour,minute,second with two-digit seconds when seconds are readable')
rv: 8,39
